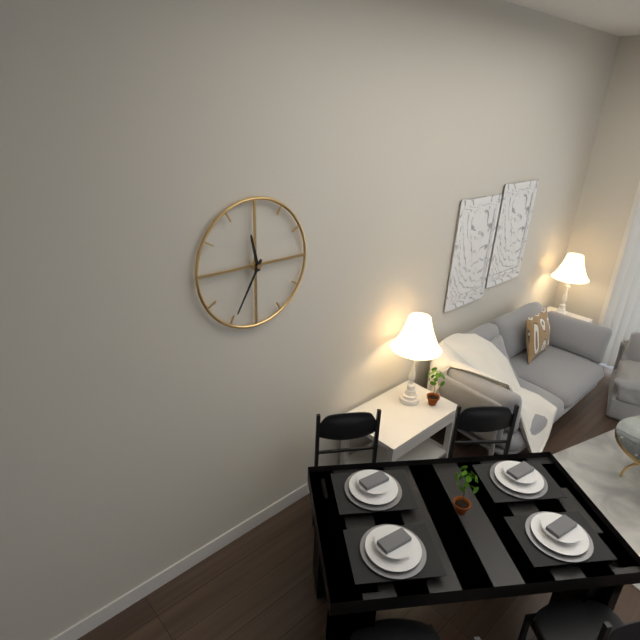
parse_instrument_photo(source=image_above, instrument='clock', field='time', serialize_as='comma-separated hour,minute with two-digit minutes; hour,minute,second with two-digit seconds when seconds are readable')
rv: 11,35
